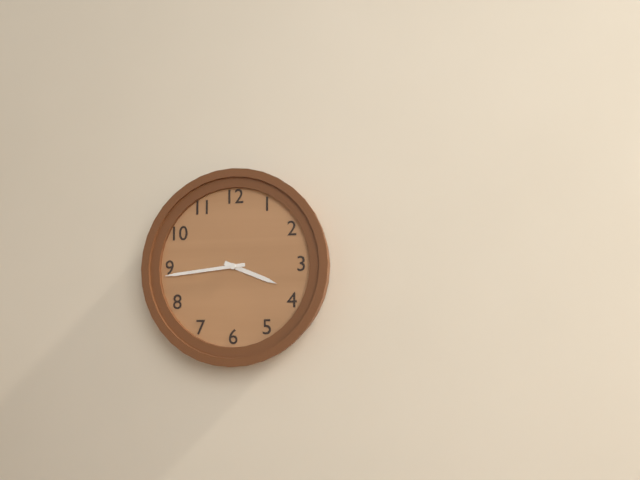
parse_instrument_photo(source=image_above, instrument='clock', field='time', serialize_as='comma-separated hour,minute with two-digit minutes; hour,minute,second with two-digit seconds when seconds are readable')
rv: 3,44
